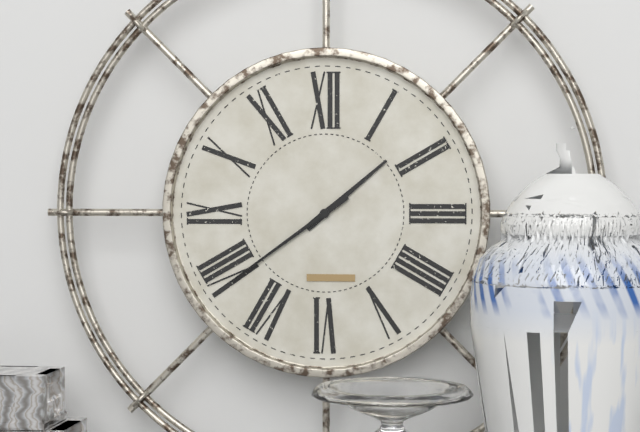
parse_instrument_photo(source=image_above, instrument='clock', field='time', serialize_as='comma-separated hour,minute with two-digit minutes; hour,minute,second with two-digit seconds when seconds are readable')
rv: 1,39
